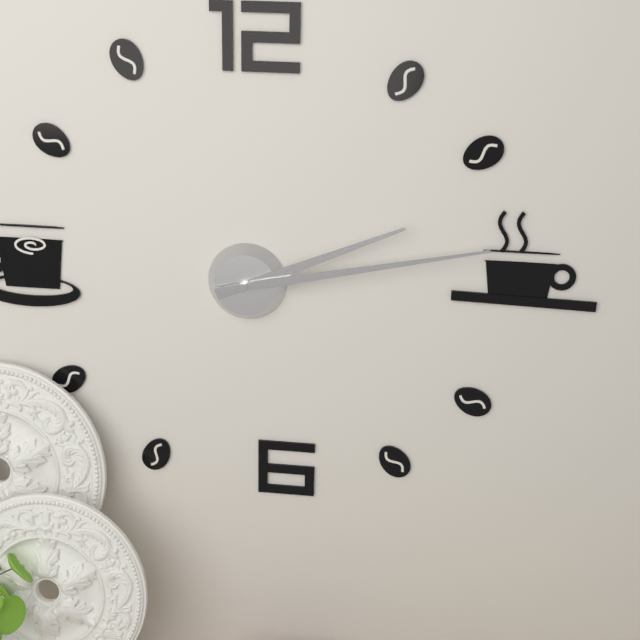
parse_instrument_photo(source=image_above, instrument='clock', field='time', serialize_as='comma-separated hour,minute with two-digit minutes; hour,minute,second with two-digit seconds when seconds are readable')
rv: 2,13
